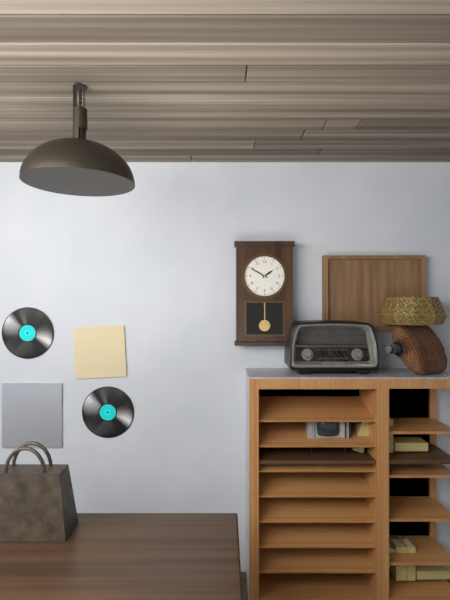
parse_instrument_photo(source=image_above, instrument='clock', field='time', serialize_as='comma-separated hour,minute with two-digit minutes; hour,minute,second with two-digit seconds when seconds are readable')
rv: 1,50
